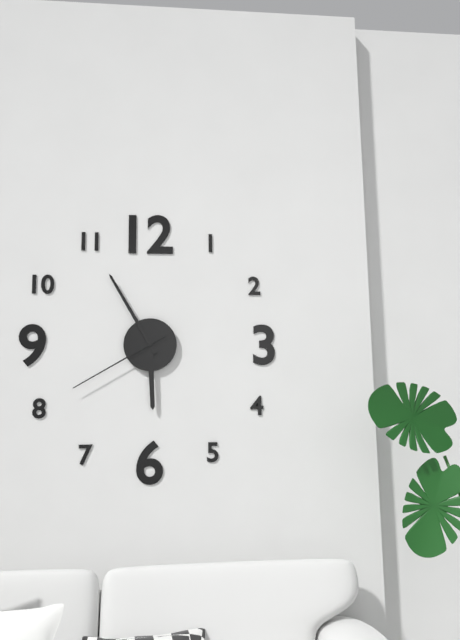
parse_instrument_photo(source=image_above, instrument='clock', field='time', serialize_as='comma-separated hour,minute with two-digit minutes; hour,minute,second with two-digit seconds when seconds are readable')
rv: 5,55,40
